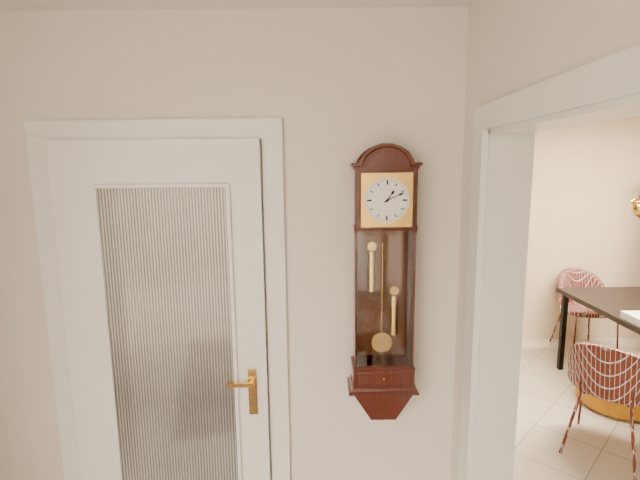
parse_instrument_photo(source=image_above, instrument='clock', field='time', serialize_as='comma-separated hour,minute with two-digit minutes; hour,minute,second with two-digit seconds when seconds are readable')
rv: 1,11
